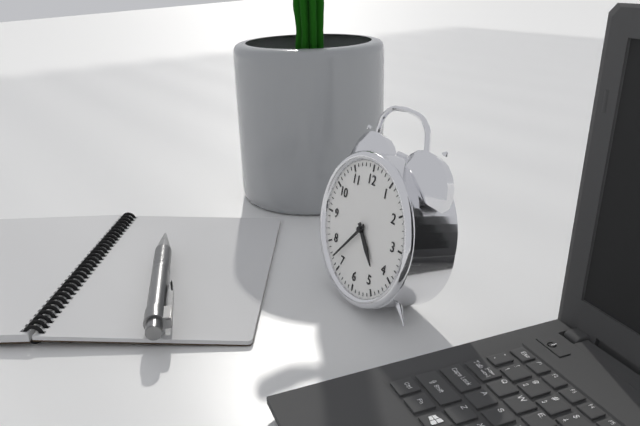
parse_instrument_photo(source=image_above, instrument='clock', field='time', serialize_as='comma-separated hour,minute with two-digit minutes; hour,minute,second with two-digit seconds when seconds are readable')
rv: 4,37
